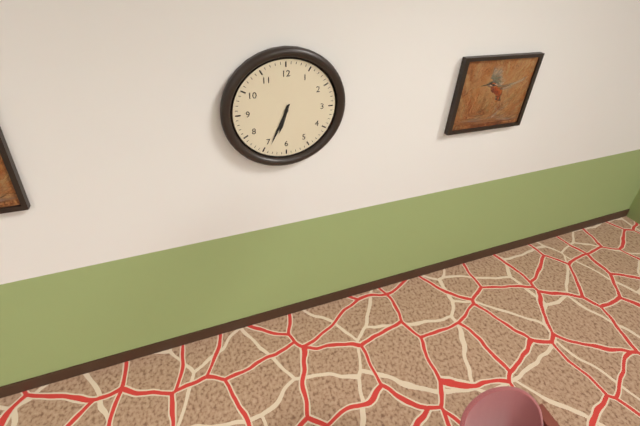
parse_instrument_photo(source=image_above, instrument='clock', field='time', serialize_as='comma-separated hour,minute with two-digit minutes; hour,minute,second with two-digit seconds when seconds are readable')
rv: 6,34
